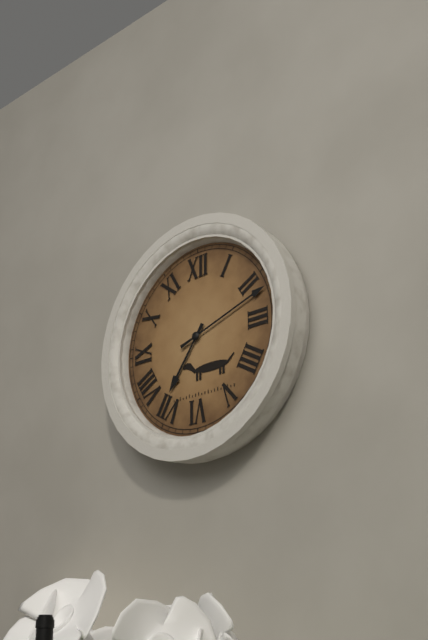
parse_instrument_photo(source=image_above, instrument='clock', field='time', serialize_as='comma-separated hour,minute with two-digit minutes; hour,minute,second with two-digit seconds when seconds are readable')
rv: 7,12
